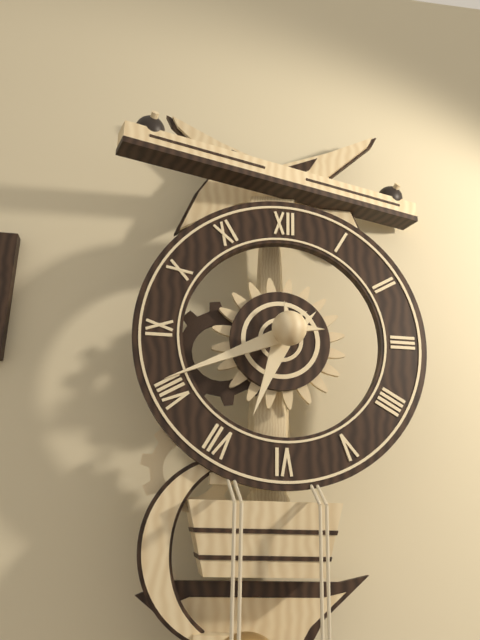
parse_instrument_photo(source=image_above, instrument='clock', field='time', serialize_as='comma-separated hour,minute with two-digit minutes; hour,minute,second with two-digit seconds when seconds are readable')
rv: 6,41
